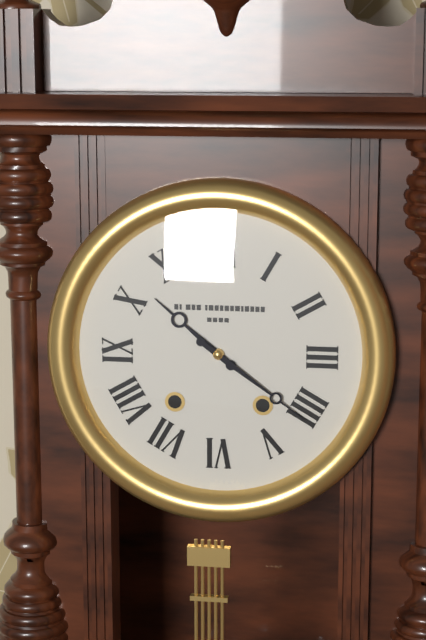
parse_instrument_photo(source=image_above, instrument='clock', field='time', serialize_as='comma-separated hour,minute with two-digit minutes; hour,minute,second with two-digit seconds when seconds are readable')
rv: 10,21
